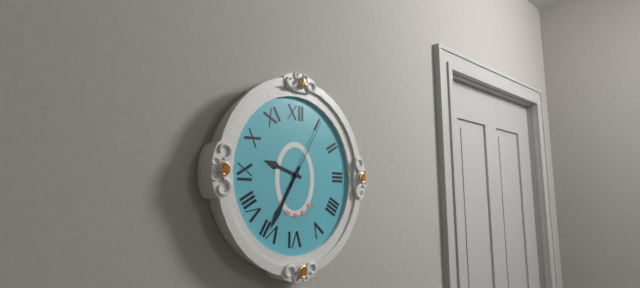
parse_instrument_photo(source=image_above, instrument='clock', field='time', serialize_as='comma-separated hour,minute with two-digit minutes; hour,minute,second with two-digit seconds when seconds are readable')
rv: 9,35,05
